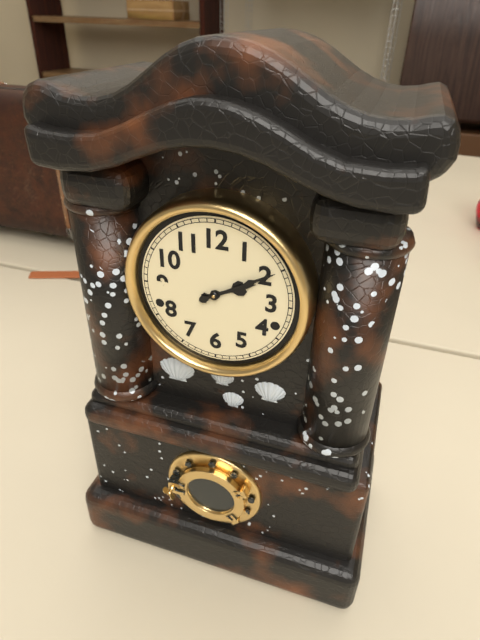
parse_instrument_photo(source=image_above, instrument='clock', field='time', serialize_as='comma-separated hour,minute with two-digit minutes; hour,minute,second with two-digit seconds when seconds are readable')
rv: 2,10
